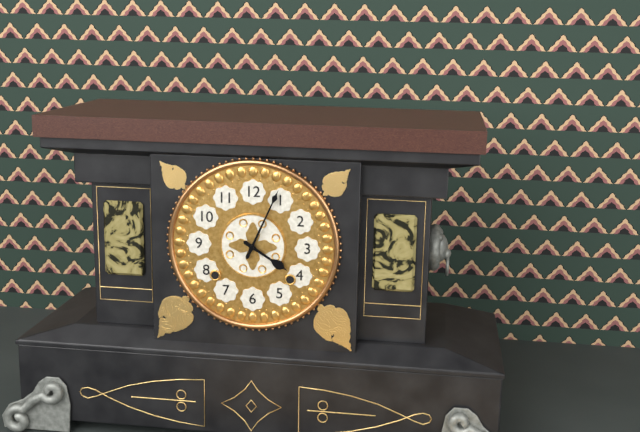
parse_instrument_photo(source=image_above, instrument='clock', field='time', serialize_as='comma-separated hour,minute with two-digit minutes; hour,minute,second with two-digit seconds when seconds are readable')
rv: 4,04
